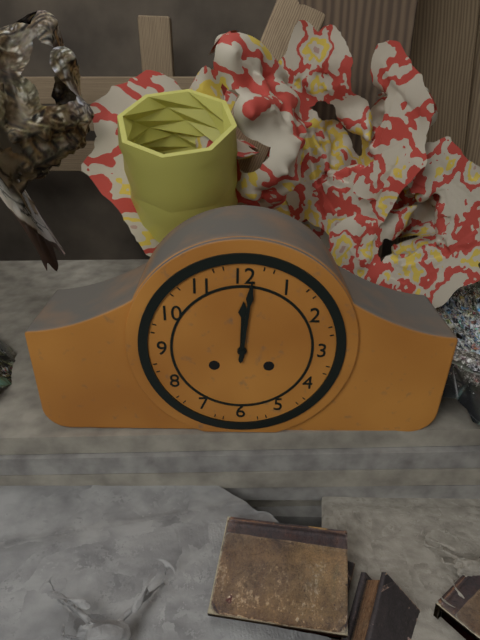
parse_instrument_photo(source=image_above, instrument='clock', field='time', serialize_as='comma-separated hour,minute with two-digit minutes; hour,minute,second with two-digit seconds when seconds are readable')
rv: 12,01
